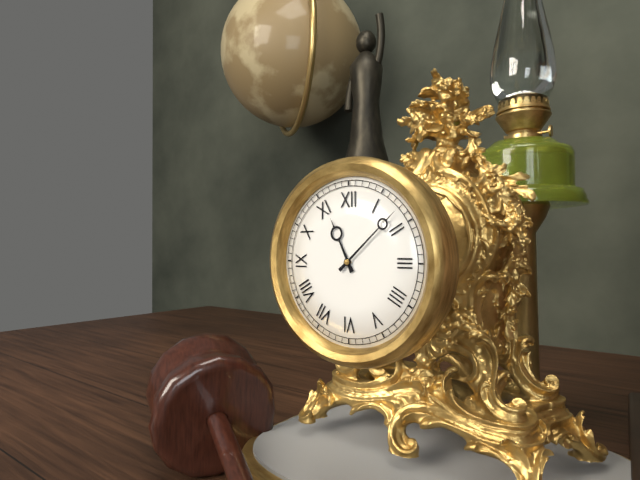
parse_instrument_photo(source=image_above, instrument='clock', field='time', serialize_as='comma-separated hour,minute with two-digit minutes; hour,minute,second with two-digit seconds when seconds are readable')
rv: 11,08
